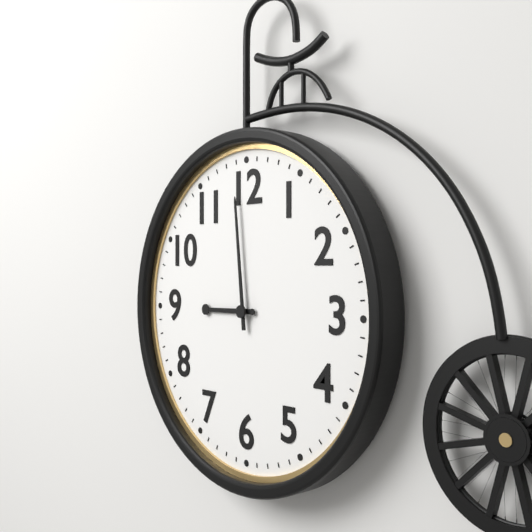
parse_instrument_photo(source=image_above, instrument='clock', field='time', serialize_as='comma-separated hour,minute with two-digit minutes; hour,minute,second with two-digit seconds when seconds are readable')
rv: 8,59
